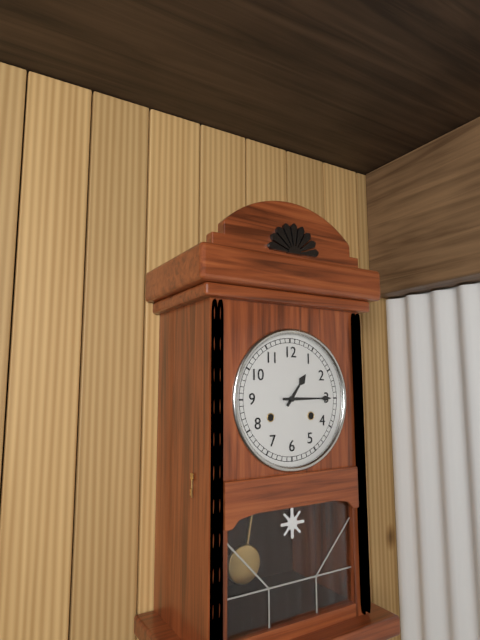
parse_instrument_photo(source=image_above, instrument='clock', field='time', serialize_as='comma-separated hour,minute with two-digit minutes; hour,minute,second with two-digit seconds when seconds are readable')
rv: 1,15
